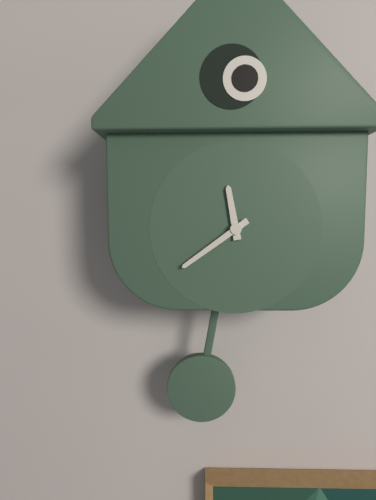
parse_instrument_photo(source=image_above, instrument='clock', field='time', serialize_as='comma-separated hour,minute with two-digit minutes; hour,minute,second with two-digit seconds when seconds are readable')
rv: 11,39
